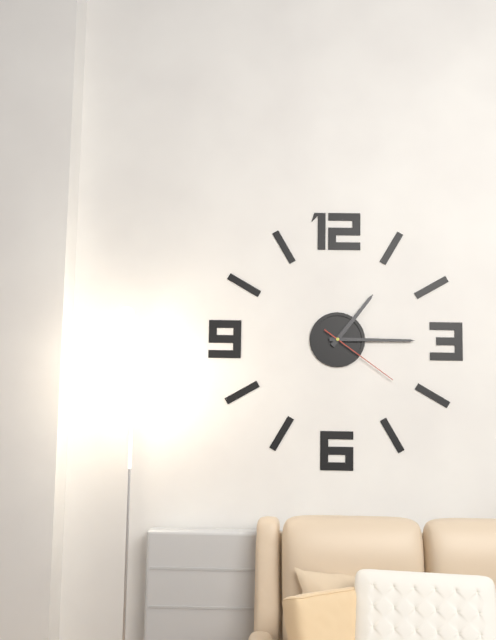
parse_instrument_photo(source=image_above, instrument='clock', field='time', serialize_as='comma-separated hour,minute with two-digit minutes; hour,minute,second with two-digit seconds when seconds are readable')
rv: 1,15,21
